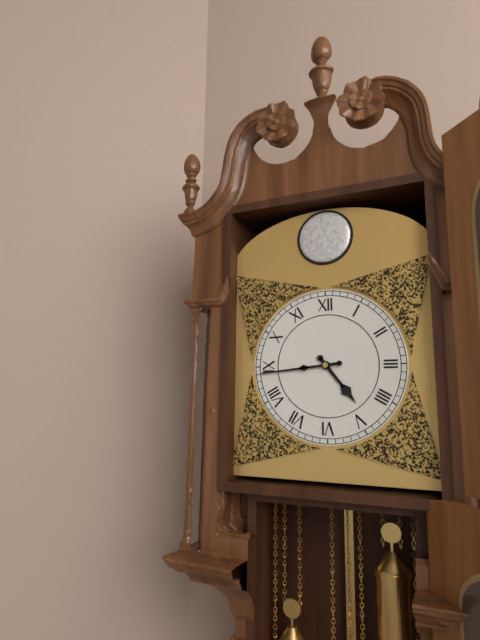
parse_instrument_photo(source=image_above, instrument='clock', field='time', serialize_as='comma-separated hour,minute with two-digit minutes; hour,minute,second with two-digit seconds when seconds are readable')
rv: 4,44
